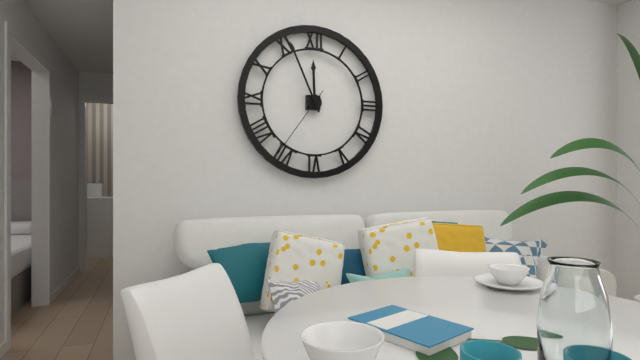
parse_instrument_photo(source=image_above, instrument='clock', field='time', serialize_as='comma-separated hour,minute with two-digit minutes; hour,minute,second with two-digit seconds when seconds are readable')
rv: 11,56,36
